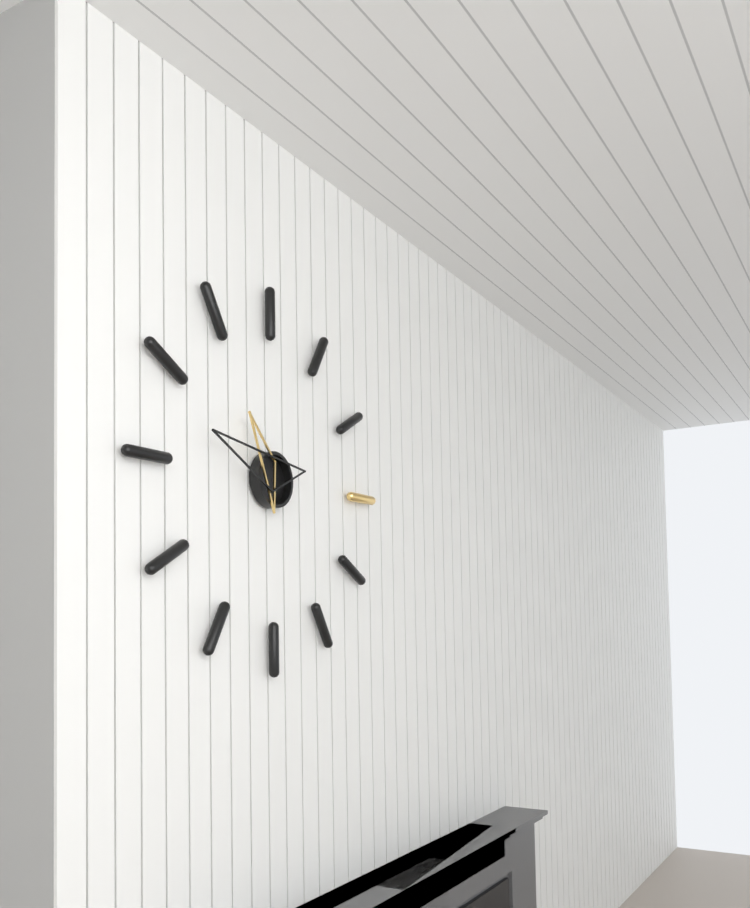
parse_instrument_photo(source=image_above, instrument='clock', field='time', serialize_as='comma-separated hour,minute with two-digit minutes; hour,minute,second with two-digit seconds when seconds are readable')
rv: 10,48
